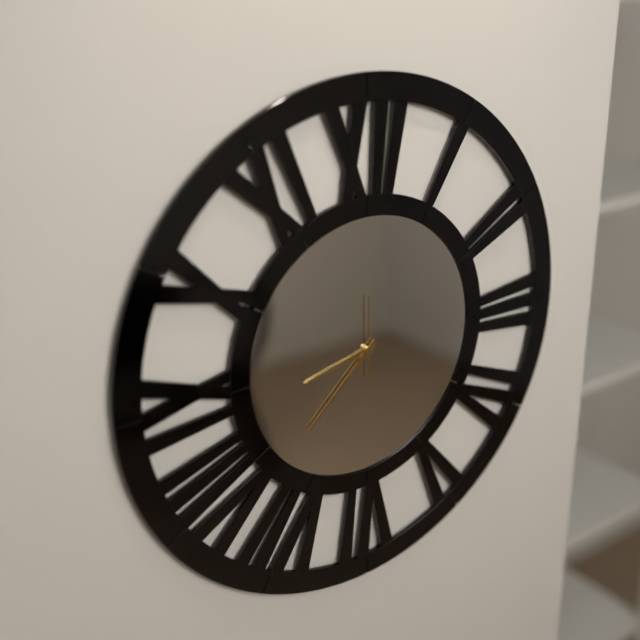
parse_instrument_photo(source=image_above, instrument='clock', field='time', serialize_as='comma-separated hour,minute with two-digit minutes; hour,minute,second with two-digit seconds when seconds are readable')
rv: 8,38,00
